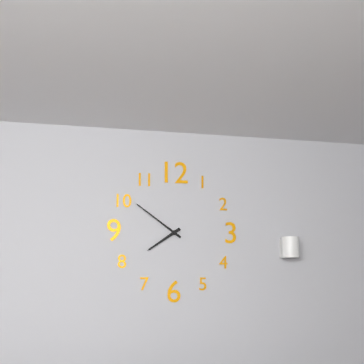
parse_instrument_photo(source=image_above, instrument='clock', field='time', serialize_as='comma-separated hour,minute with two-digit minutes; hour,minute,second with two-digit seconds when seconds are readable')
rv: 7,51
